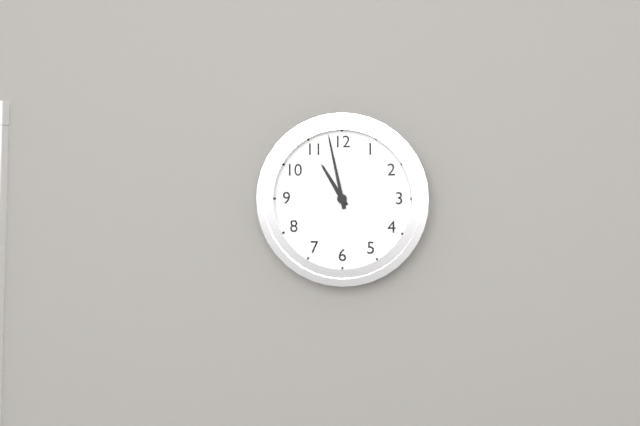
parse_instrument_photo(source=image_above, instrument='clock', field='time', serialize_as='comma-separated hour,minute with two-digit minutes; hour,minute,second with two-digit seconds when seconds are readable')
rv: 10,58
